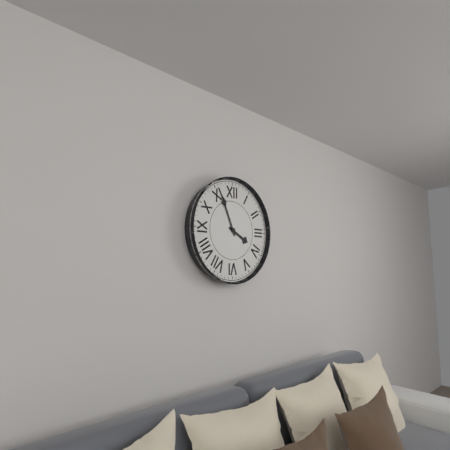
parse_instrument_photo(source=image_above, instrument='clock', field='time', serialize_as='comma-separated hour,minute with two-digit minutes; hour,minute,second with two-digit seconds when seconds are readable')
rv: 3,56
